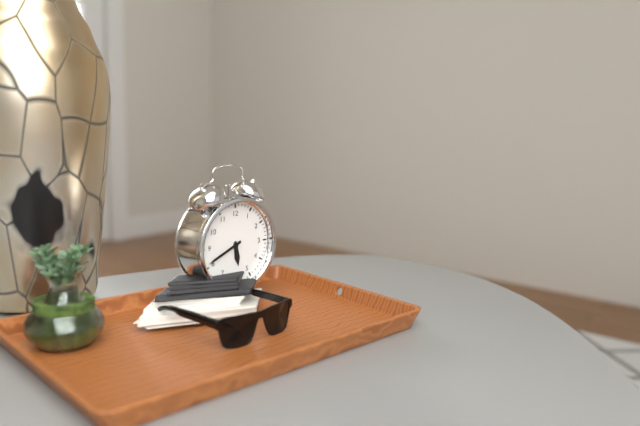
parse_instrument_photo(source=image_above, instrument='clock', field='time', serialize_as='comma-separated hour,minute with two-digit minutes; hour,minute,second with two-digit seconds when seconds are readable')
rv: 5,41
